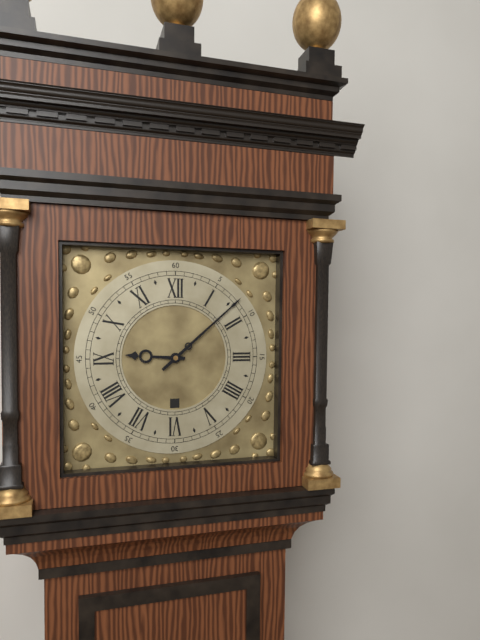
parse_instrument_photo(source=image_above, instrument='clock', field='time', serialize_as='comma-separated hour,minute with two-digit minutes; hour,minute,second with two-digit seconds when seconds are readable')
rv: 9,08
